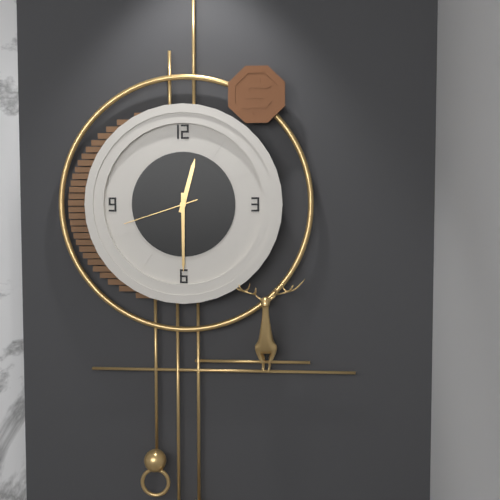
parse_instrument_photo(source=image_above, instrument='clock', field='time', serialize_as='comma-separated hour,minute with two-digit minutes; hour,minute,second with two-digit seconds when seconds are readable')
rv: 12,30,42
